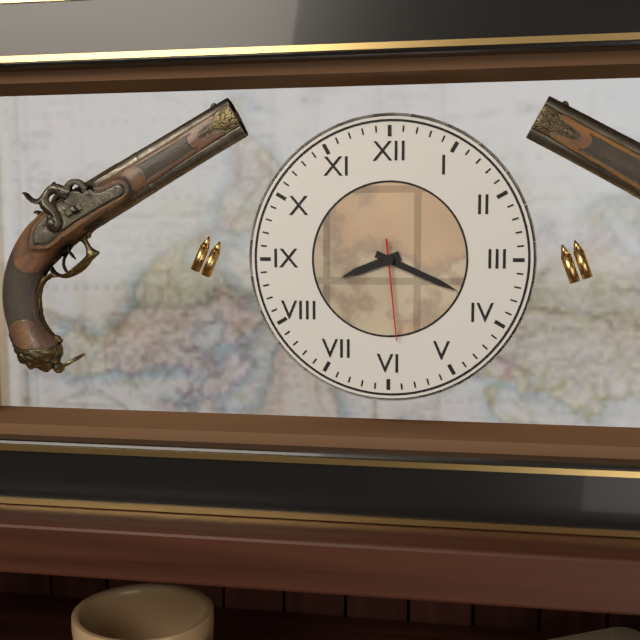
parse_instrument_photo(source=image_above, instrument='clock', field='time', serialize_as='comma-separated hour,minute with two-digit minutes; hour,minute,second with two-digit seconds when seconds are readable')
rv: 8,19,29
